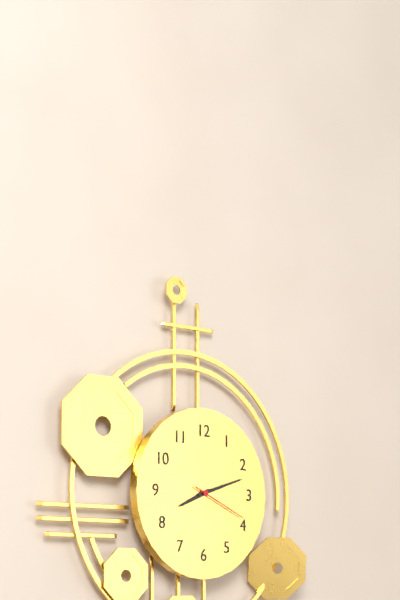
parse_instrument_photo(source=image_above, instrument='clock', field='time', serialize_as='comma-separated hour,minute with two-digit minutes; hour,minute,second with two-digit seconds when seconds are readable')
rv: 8,12,19
